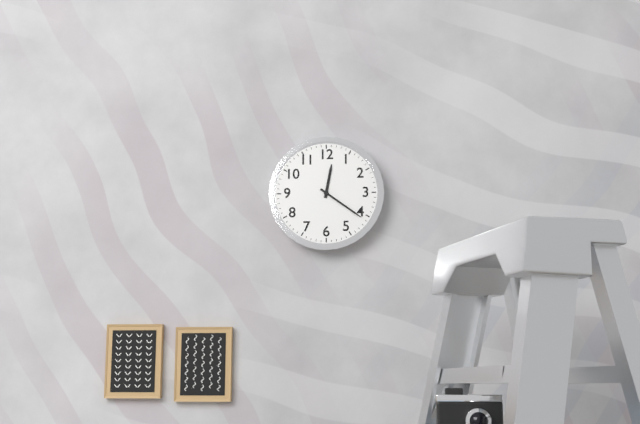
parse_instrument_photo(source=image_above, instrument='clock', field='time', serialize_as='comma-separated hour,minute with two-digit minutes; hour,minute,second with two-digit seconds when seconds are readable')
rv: 12,21
